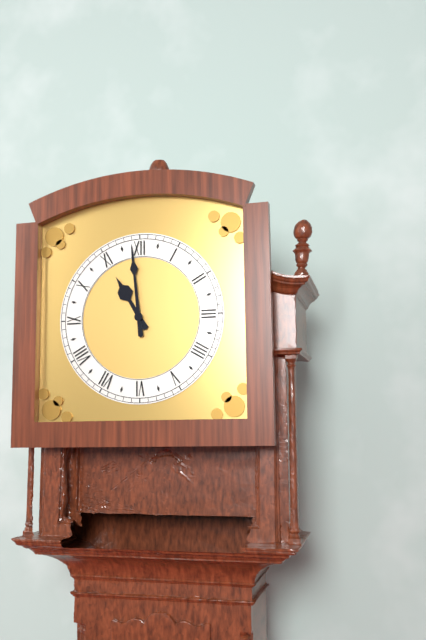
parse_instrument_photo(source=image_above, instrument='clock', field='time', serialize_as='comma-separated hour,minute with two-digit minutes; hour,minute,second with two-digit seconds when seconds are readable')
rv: 10,59
